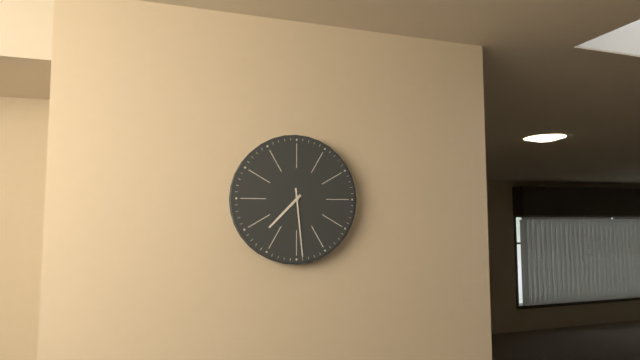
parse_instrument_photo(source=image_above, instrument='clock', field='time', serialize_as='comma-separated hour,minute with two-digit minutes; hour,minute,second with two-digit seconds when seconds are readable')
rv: 7,29
